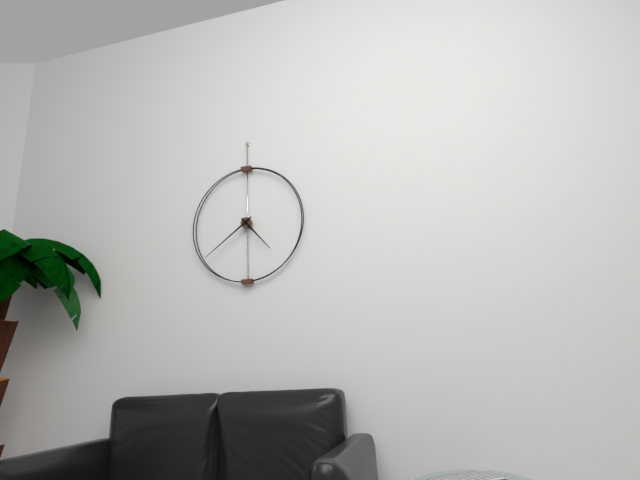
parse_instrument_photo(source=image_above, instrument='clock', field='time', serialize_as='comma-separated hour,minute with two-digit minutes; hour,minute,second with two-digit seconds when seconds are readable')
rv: 4,39
